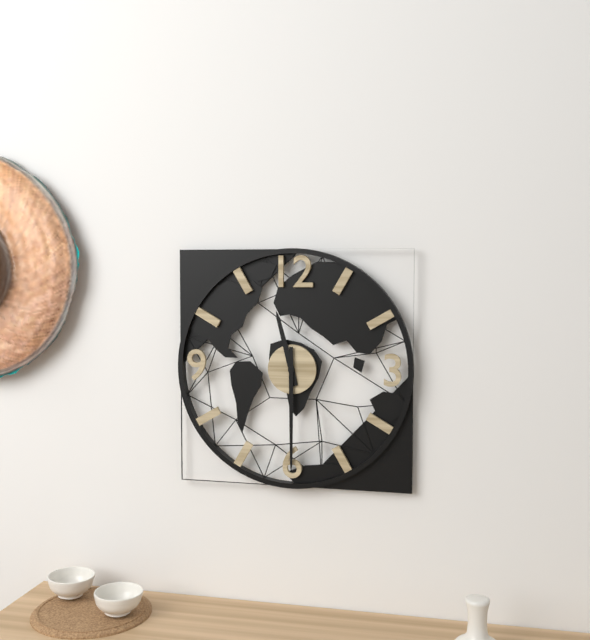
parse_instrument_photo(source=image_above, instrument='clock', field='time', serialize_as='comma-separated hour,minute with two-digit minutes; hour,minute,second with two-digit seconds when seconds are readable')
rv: 11,30
